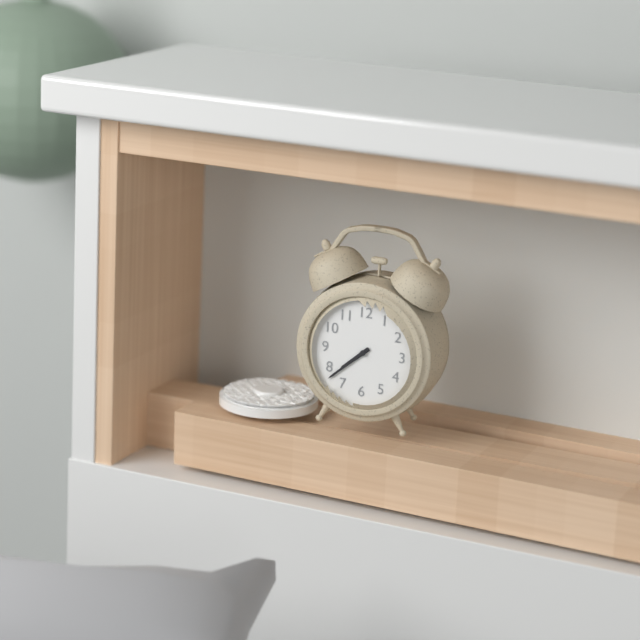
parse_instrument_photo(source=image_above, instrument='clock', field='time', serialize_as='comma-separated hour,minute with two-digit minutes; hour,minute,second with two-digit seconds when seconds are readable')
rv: 7,38
